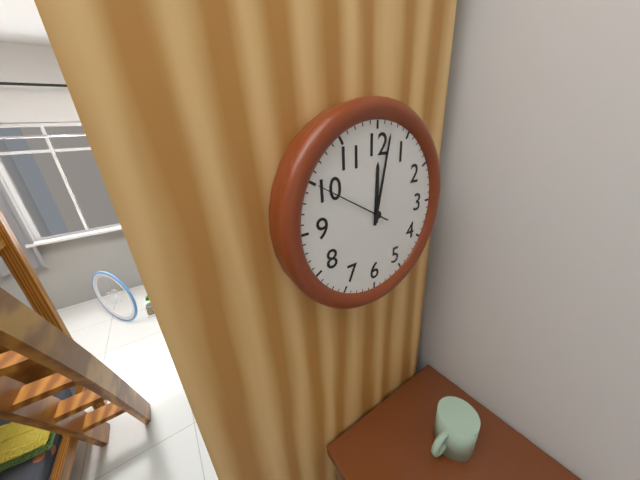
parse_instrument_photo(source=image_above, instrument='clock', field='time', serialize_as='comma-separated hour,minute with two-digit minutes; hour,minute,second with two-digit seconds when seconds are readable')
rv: 12,02,50
